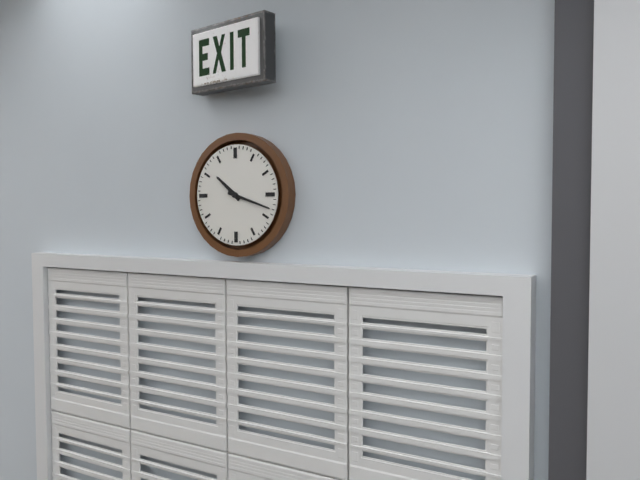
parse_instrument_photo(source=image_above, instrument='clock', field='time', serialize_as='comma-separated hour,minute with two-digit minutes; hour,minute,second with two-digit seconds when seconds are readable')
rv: 10,18
